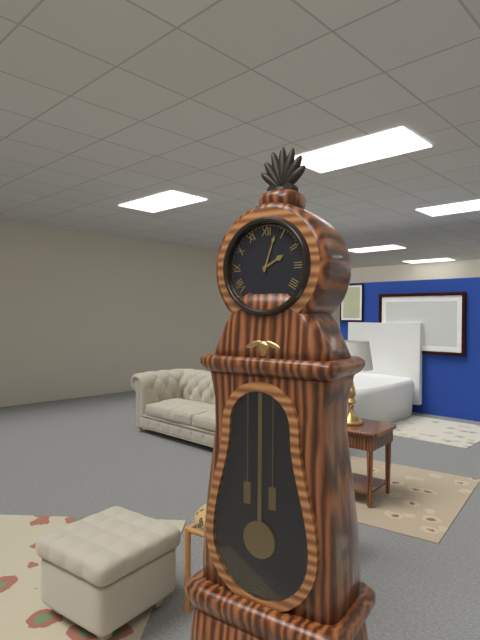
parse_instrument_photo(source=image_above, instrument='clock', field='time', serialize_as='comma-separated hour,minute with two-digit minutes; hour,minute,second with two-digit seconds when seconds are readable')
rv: 2,03
